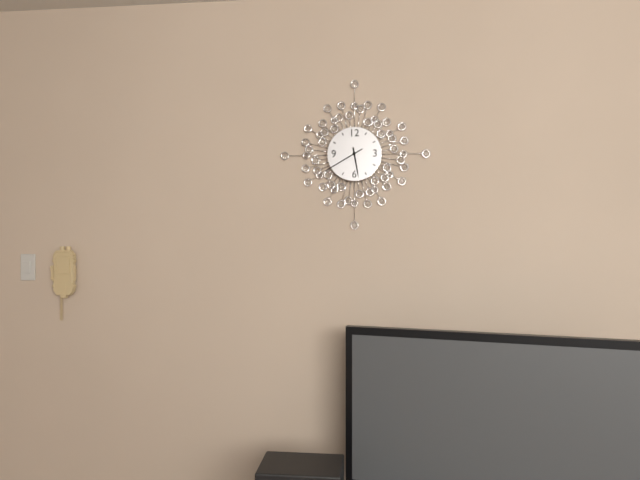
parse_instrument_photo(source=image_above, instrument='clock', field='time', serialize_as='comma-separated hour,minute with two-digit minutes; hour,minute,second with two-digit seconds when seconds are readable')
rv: 5,40
